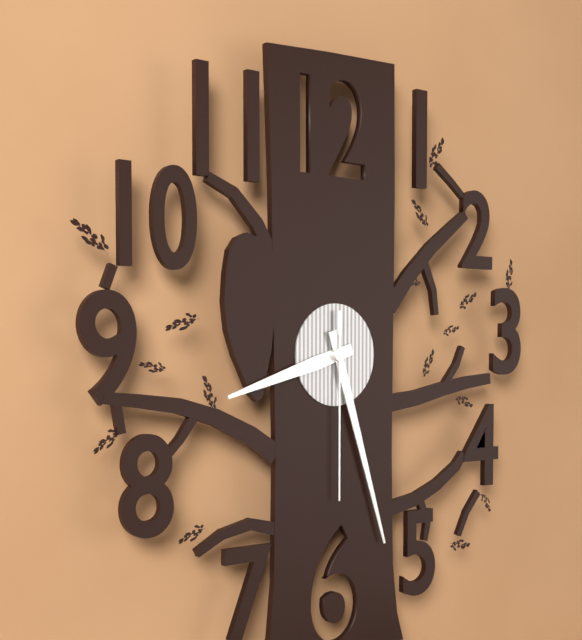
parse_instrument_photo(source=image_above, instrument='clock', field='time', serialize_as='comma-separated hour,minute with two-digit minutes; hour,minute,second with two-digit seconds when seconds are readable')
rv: 8,27,30
